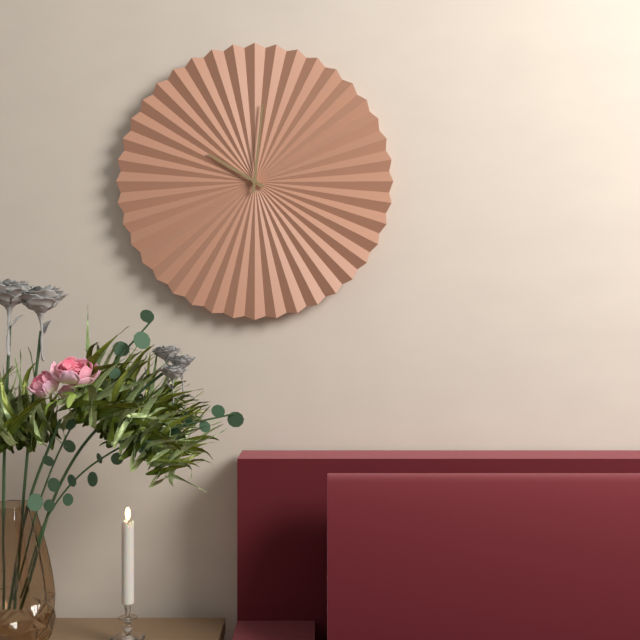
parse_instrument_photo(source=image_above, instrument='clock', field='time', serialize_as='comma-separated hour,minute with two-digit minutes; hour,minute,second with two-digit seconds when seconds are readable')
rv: 10,01
